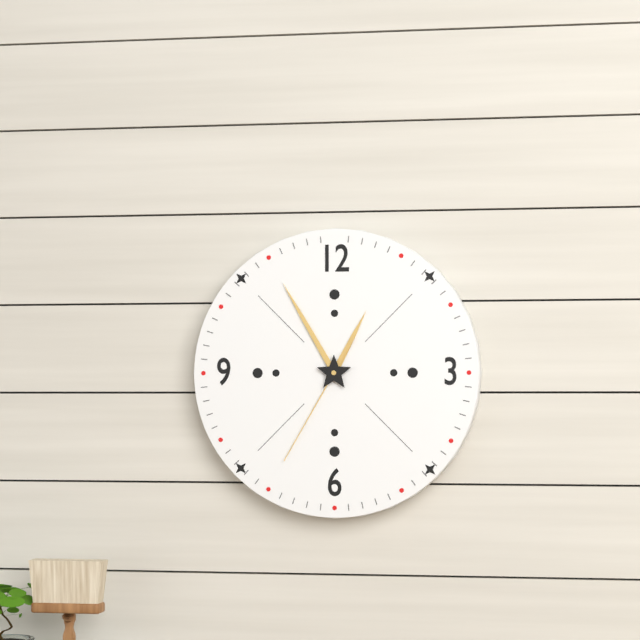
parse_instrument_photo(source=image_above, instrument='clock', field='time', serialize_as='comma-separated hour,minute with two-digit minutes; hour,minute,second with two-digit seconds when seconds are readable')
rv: 12,55,35
